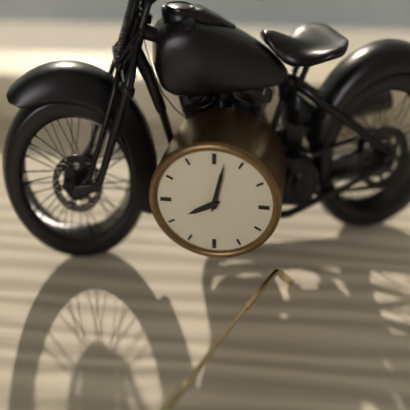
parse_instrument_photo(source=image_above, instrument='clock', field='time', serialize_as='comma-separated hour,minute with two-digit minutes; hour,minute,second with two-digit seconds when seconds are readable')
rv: 8,02
